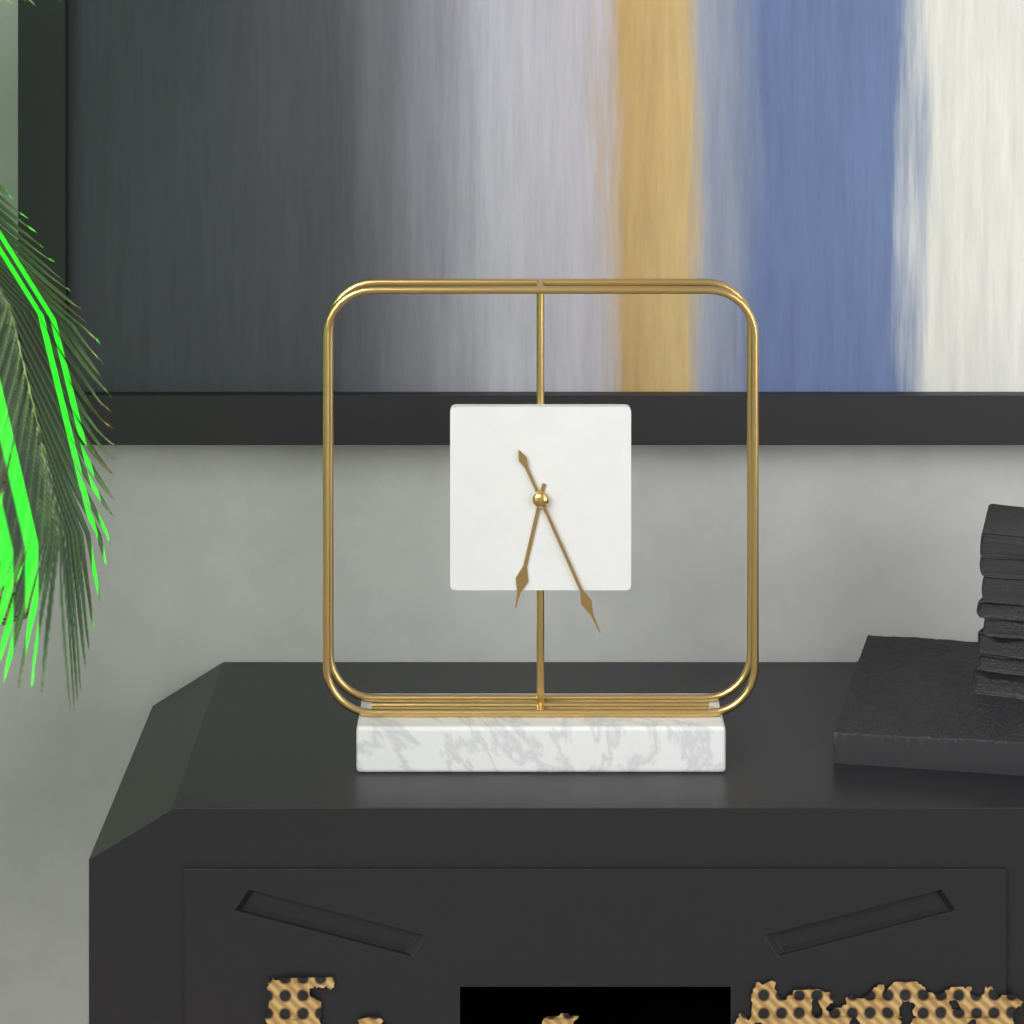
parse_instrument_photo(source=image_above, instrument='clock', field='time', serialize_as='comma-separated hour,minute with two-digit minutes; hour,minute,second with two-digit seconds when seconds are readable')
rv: 6,26
